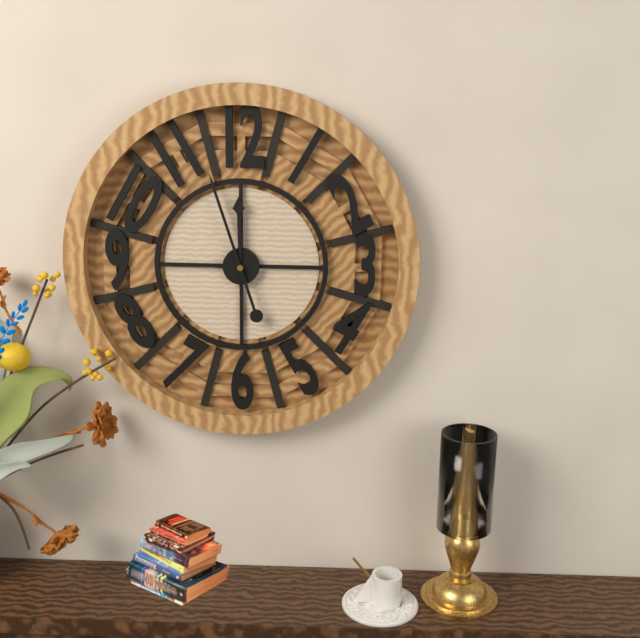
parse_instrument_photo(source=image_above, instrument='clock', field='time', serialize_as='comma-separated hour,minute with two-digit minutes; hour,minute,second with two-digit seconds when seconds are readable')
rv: 11,57
